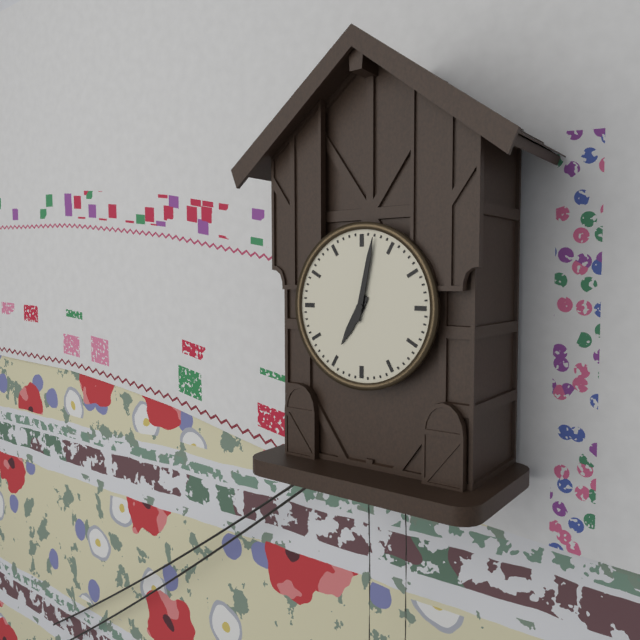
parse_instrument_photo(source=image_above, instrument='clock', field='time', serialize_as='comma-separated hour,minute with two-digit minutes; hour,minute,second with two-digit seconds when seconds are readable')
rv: 7,02
